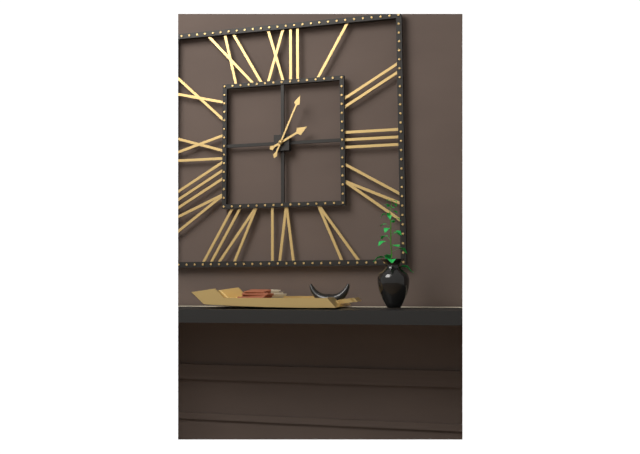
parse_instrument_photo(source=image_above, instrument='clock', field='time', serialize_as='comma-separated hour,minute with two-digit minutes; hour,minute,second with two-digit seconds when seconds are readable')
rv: 2,04
